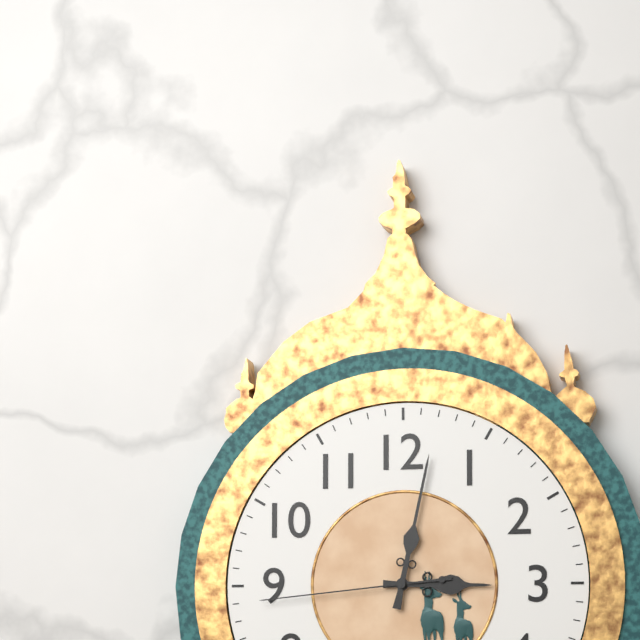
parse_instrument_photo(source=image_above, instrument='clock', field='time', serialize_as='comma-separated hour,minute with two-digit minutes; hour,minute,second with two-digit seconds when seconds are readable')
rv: 3,02,44
